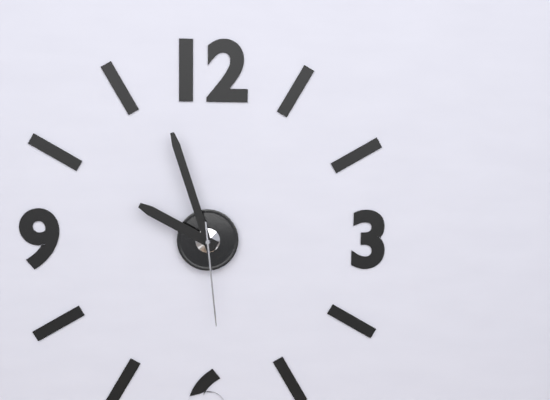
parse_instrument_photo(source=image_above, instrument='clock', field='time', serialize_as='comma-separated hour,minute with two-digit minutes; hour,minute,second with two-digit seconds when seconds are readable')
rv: 9,57,29
